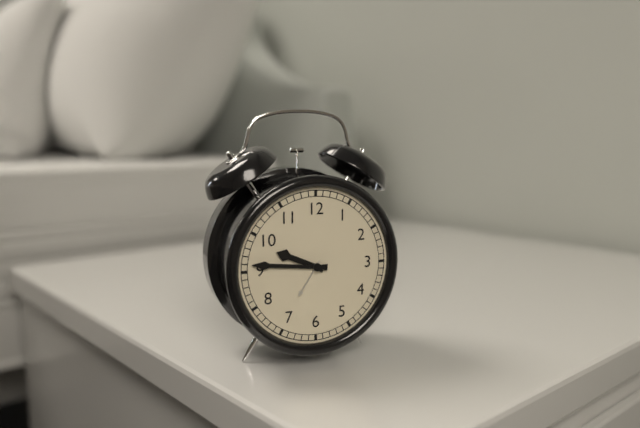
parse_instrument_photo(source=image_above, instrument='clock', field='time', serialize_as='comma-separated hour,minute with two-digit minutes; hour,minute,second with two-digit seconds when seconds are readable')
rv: 9,46
